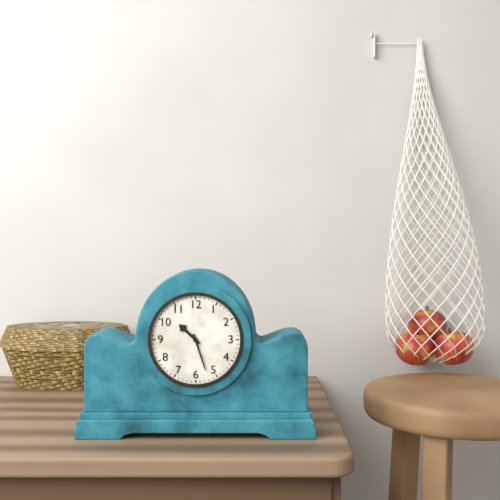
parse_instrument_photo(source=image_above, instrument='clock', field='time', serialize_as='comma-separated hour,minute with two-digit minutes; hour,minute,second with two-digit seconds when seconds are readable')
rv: 10,27
